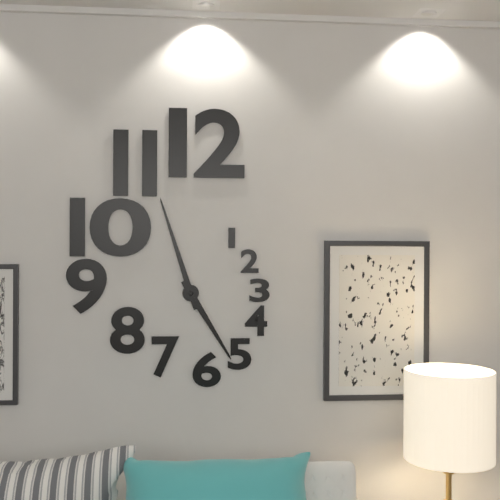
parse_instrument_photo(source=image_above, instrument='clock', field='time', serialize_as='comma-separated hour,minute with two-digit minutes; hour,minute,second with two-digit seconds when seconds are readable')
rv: 4,57
